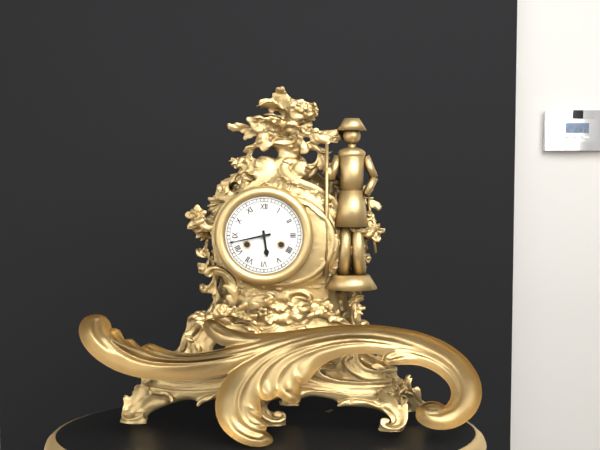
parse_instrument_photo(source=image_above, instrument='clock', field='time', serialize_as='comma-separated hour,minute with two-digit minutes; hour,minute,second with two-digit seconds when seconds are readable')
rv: 5,43
